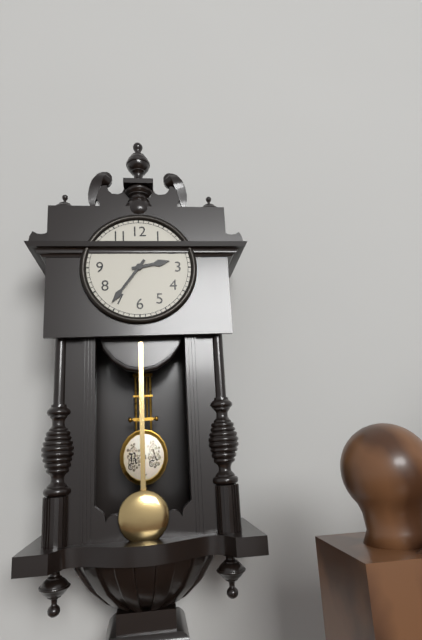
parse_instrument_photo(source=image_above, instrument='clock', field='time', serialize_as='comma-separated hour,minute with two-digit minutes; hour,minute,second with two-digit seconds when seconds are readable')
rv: 2,36
